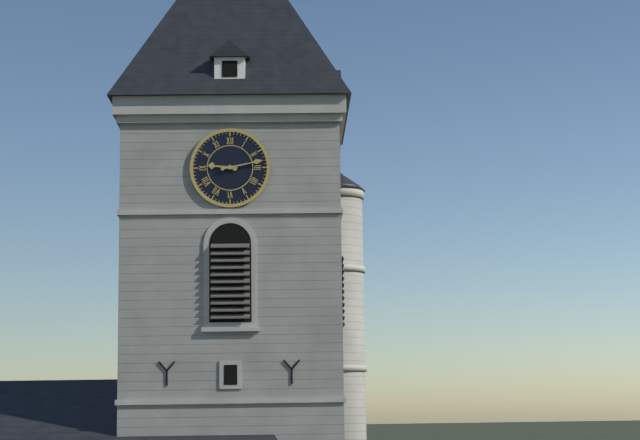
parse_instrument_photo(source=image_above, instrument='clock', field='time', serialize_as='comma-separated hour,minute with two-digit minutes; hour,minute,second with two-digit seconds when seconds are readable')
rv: 9,13
